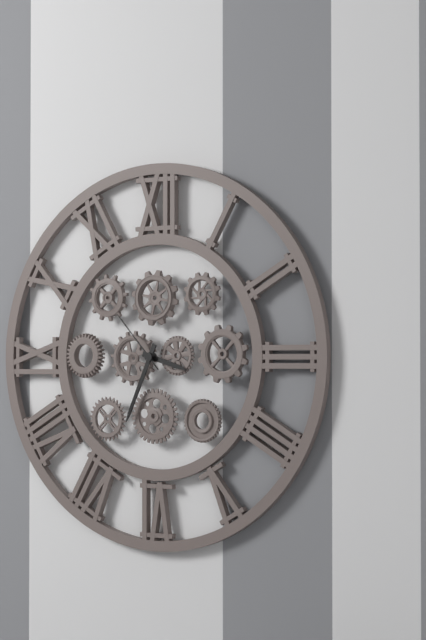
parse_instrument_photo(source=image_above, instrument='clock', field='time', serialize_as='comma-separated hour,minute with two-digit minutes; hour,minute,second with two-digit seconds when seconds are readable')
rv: 3,34,53
